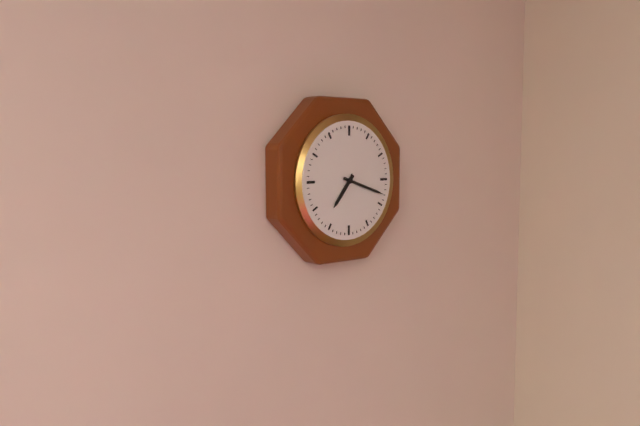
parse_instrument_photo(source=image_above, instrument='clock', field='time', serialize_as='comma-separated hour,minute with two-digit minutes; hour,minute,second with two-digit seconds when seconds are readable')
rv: 7,18
